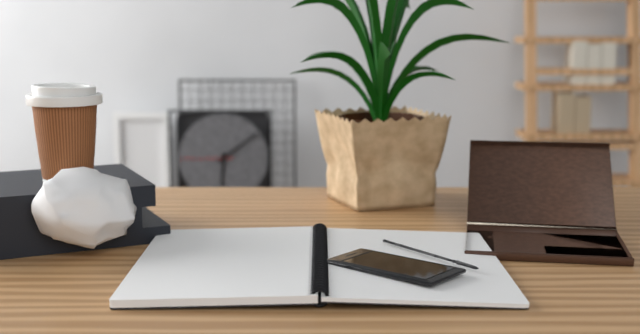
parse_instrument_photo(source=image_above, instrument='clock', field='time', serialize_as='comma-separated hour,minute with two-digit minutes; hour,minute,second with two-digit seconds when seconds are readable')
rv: 6,09,45
